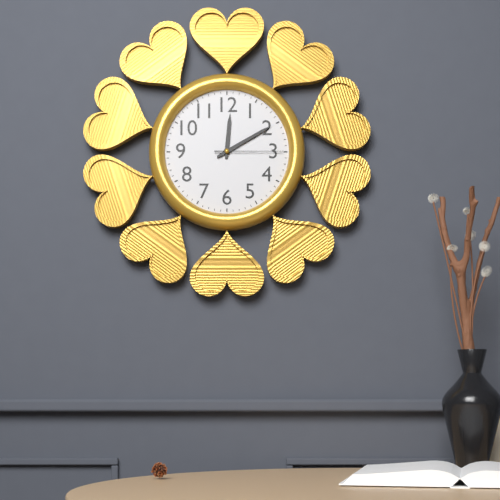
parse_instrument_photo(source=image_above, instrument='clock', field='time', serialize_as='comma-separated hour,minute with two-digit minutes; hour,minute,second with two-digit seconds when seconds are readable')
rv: 12,10,15
